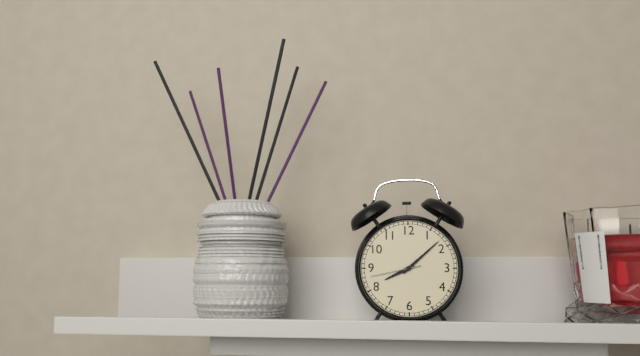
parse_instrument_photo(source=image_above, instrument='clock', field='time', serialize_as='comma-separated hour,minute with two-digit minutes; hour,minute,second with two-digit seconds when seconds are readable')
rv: 8,08
